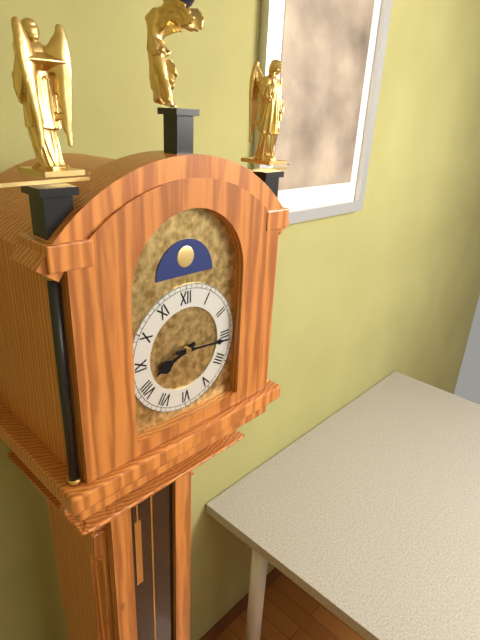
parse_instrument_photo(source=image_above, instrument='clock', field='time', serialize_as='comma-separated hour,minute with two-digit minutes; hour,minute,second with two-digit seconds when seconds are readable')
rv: 8,16
